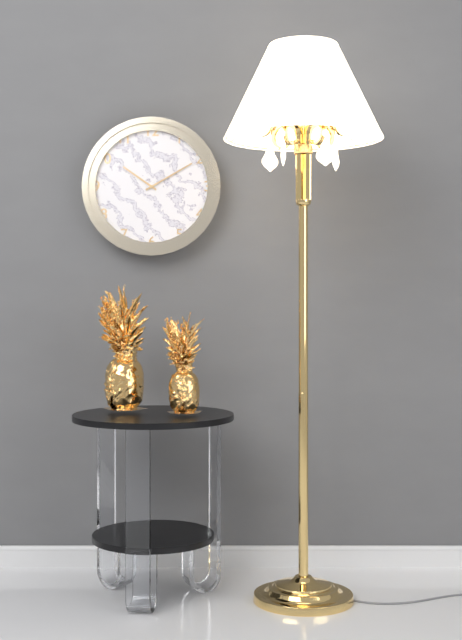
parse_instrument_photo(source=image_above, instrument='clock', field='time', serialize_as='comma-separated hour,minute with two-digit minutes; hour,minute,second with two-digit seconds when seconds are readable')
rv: 10,10
